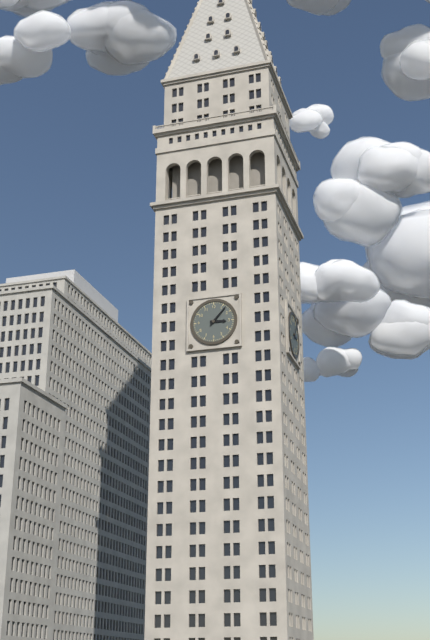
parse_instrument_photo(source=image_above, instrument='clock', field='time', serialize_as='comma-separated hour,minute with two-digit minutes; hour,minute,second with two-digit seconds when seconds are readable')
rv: 3,07
